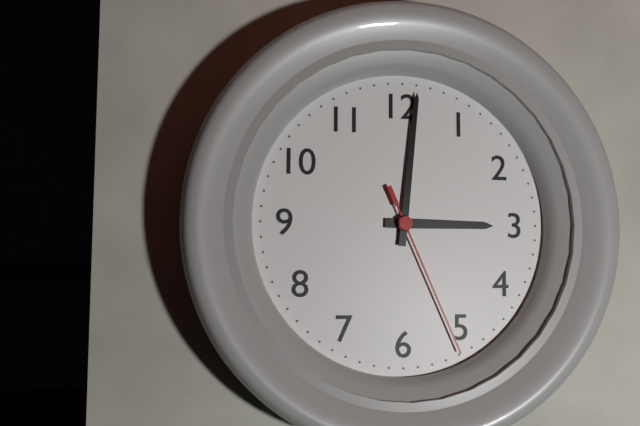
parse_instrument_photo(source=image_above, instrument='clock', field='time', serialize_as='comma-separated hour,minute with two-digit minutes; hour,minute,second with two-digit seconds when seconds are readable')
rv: 3,01,26
